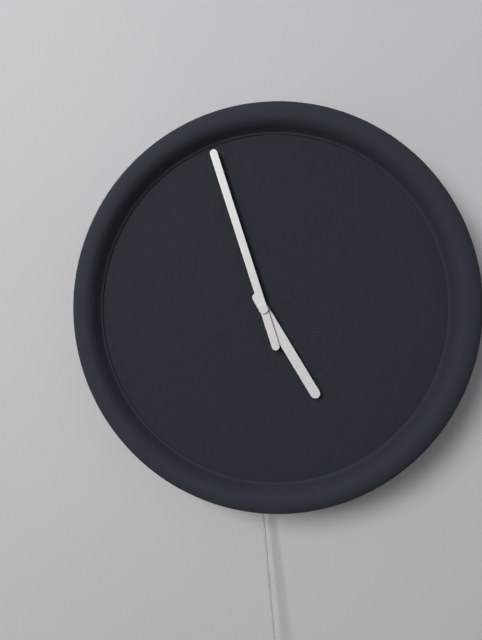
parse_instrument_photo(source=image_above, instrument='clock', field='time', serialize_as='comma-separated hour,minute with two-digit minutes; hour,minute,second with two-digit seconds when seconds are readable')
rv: 4,57
